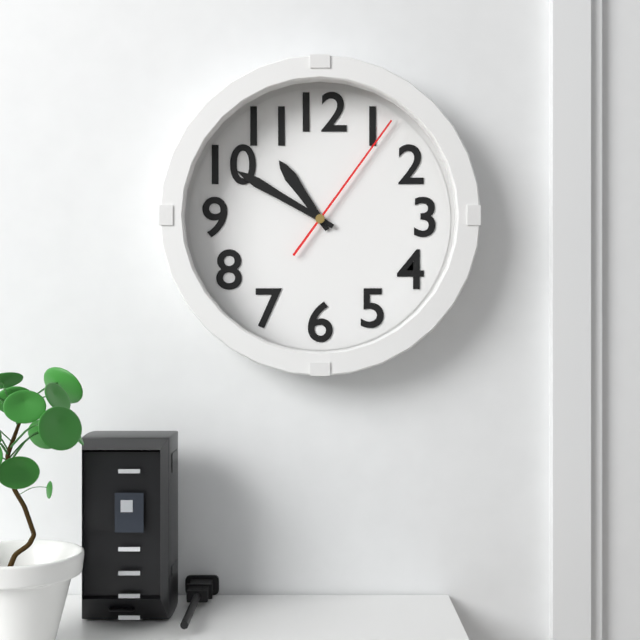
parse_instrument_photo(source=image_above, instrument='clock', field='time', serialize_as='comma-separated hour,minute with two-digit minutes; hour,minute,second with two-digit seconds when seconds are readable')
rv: 10,50,06
